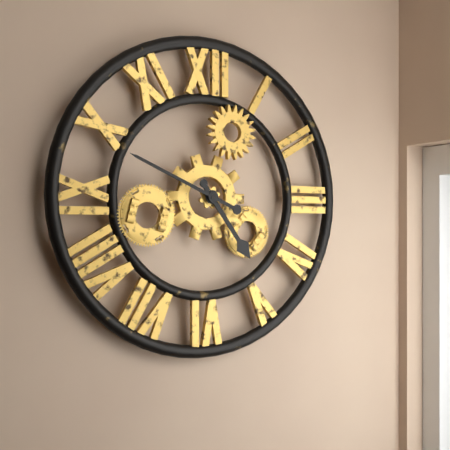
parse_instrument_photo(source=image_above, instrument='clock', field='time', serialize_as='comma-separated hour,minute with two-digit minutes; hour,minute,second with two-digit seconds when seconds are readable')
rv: 4,49
